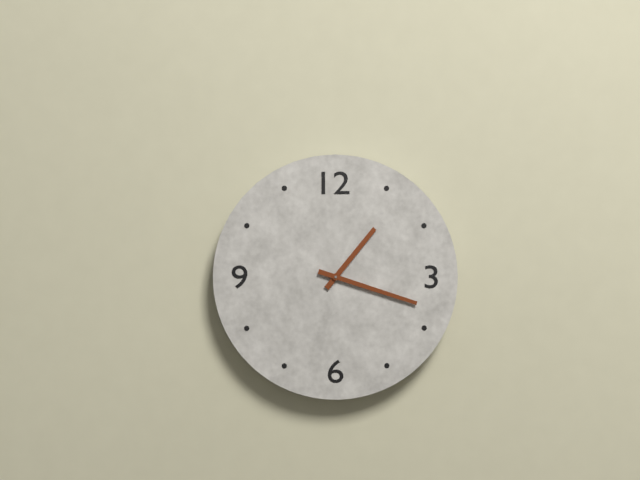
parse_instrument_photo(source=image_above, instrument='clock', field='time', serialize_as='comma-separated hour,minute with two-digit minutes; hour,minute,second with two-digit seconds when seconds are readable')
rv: 1,18
